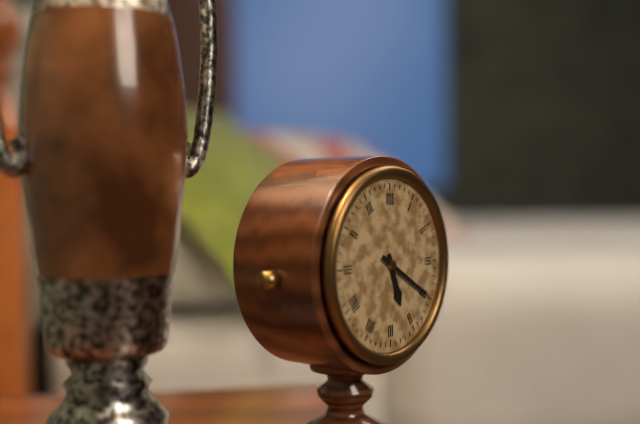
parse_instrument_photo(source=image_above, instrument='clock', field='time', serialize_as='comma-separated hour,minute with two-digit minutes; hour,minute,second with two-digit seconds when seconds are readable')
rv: 5,20
